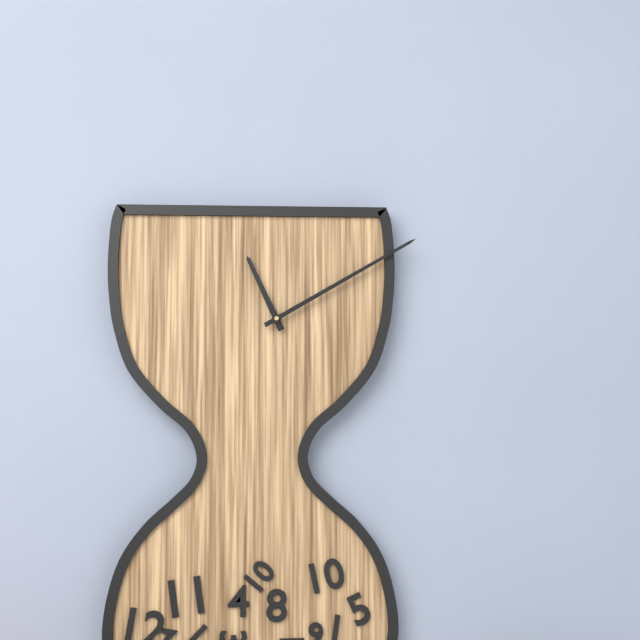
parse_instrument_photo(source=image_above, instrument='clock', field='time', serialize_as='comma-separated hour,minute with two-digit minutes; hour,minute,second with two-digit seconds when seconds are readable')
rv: 11,10
